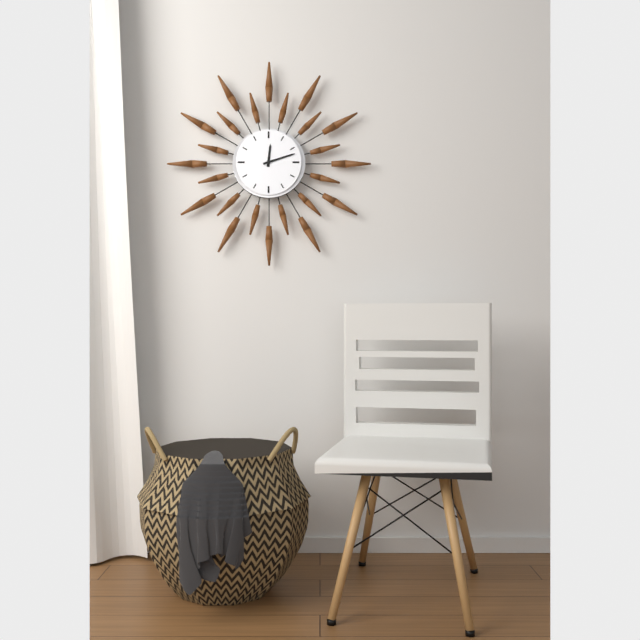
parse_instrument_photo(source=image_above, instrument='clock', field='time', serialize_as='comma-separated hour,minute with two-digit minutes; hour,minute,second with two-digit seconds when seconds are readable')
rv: 12,12
